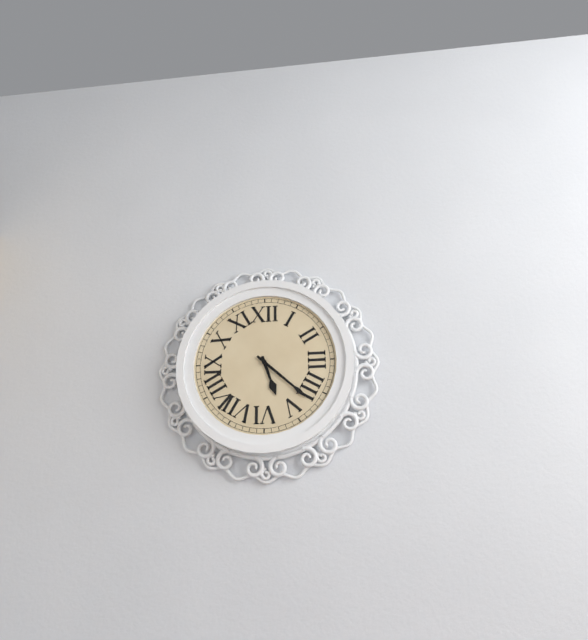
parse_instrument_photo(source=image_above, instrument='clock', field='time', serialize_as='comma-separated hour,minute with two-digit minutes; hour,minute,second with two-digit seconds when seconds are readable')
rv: 5,22
